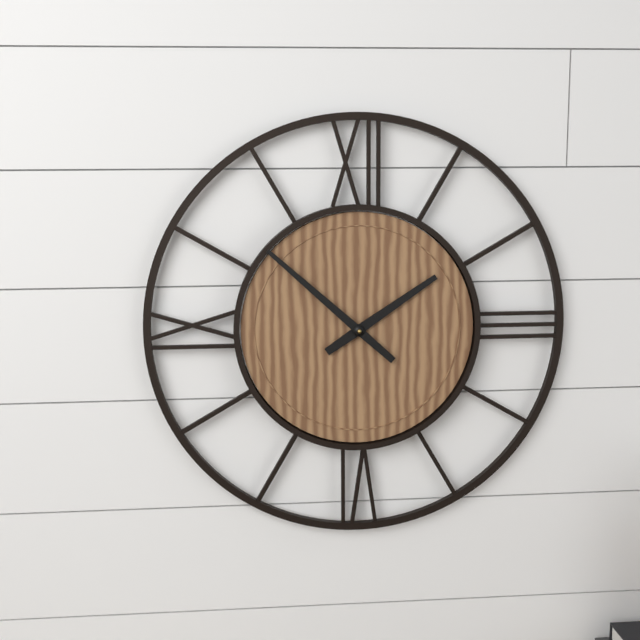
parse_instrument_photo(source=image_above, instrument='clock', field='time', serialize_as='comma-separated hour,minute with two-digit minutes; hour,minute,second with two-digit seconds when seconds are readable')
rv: 1,52
